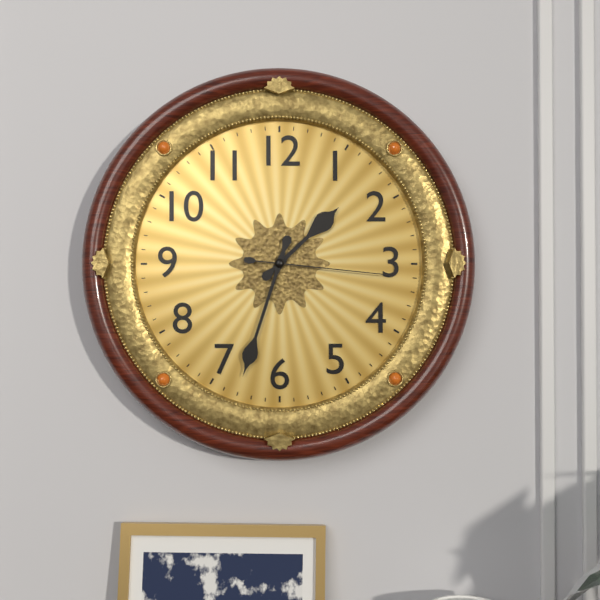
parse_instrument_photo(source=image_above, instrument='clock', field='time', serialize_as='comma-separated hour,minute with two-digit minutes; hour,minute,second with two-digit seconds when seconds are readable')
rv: 1,33,16
